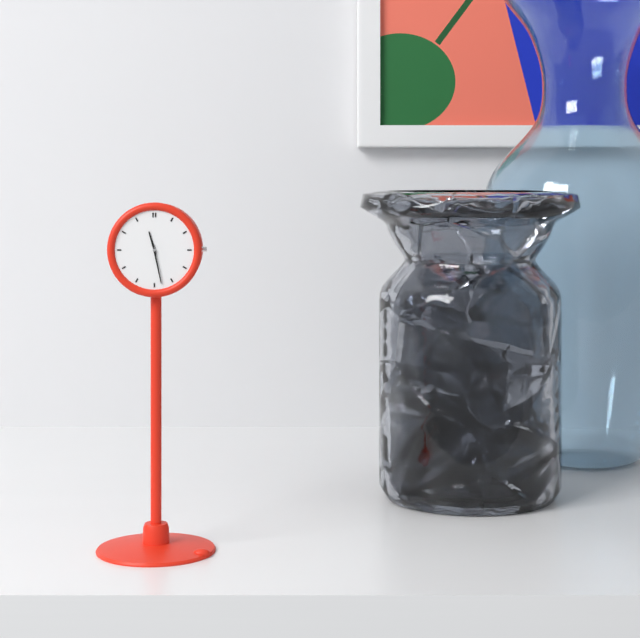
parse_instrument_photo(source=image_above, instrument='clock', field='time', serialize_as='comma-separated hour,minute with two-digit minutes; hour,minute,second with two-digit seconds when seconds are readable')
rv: 11,28
